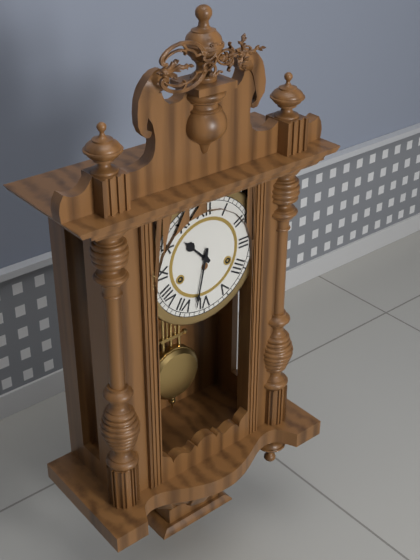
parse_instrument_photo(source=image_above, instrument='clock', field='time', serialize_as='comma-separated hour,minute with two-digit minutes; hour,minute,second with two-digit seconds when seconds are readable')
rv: 10,32
